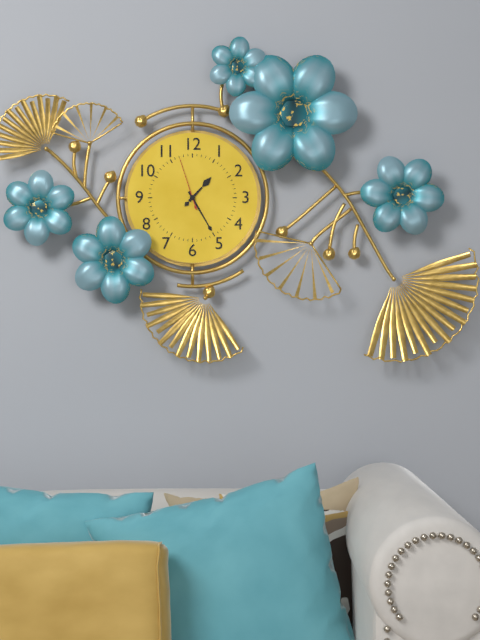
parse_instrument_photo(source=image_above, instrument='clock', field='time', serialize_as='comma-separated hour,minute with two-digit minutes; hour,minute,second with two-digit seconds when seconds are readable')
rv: 1,25,57
